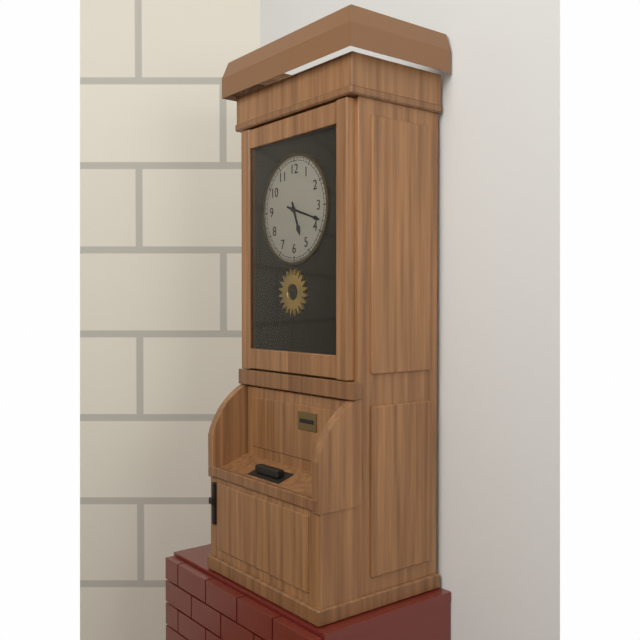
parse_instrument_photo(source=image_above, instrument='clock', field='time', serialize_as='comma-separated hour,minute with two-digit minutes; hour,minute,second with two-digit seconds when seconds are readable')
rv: 5,18
